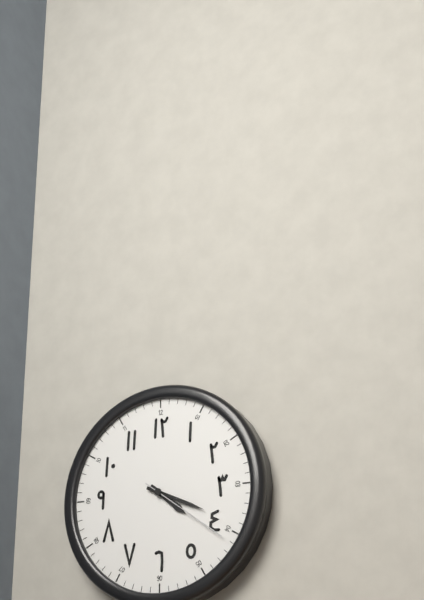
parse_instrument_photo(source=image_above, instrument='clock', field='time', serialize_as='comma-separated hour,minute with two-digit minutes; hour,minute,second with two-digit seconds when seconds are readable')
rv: 4,19,21
